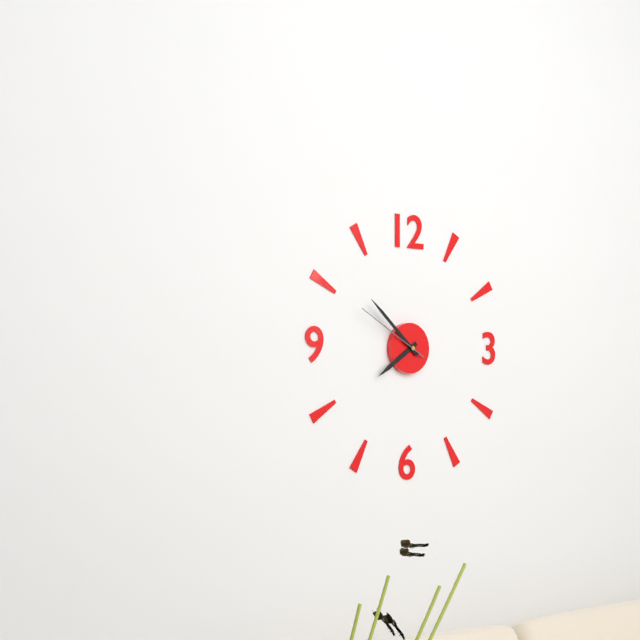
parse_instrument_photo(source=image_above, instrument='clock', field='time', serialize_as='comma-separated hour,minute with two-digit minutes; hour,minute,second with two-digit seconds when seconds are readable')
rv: 7,52,50
